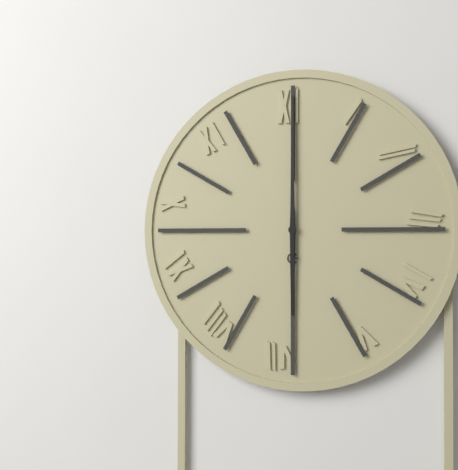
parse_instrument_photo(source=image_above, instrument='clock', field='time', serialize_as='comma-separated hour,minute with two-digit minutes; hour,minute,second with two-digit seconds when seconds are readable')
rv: 6,00
